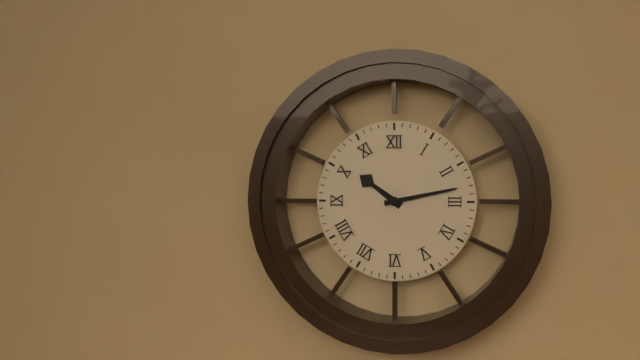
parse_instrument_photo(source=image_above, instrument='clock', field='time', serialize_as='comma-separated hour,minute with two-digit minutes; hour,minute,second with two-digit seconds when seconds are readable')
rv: 10,13
